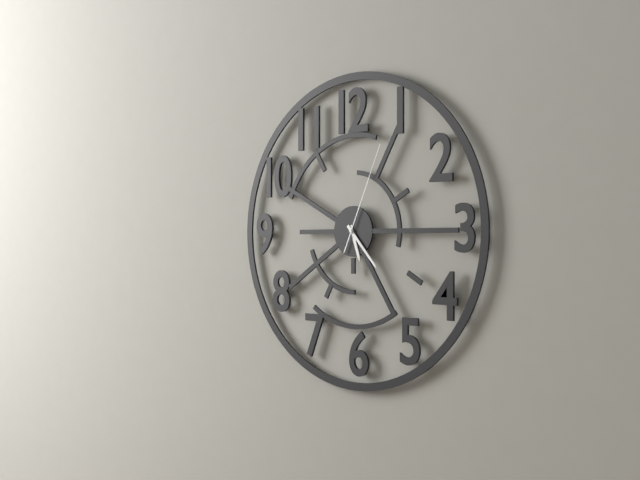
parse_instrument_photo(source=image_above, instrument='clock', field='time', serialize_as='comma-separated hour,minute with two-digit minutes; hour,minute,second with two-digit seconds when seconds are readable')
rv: 5,23,04
